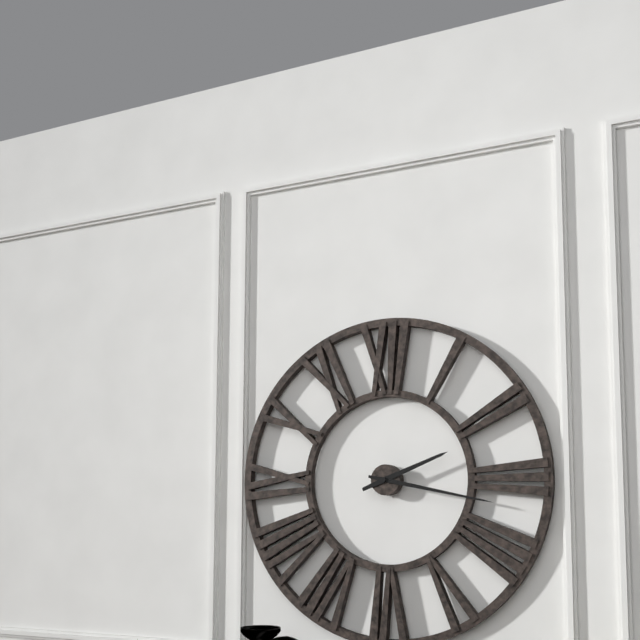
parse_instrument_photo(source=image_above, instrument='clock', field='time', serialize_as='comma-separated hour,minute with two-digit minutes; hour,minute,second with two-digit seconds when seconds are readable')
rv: 2,17
